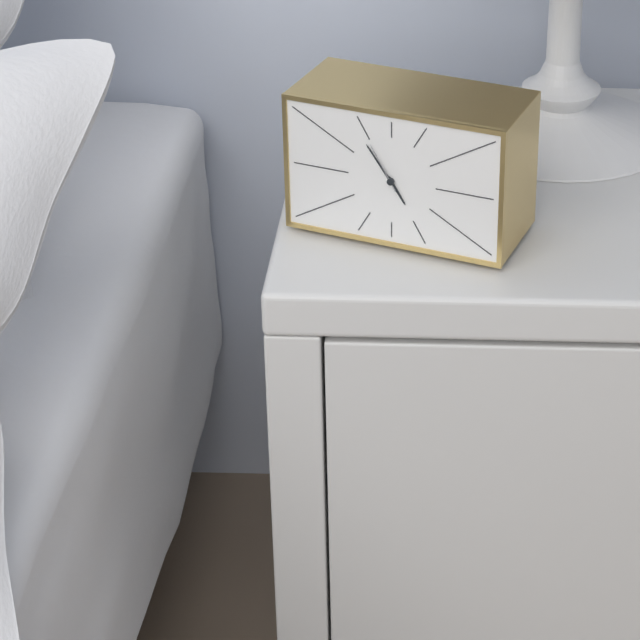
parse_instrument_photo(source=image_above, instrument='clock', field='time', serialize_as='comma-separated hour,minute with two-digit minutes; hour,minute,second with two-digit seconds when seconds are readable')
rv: 4,54,55
